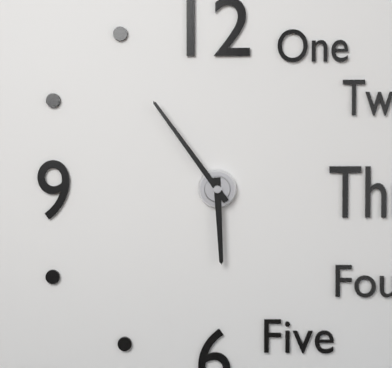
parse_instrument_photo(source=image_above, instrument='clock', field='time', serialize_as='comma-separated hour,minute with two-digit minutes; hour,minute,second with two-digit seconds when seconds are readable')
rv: 5,54
